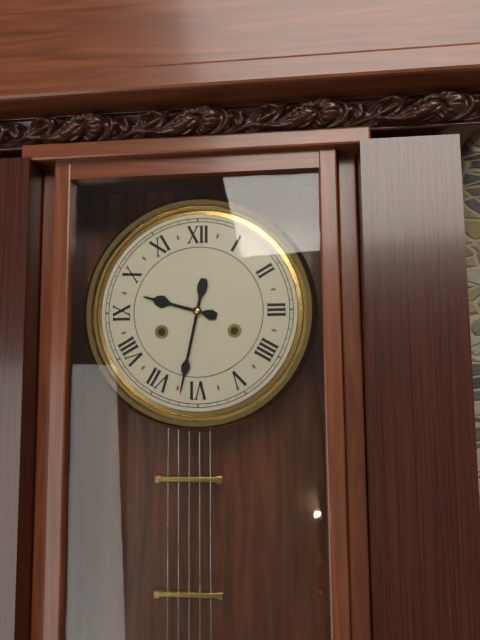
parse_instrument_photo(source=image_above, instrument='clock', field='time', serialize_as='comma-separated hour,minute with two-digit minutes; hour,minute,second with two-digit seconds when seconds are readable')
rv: 9,32
